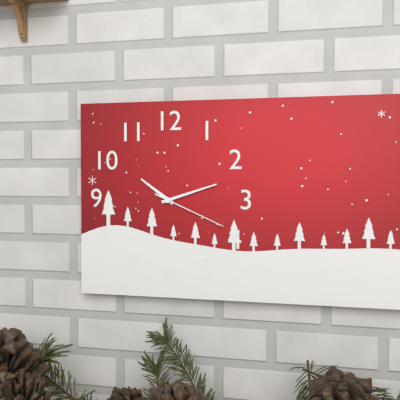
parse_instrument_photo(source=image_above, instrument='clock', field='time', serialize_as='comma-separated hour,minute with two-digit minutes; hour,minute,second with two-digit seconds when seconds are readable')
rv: 10,12,19
